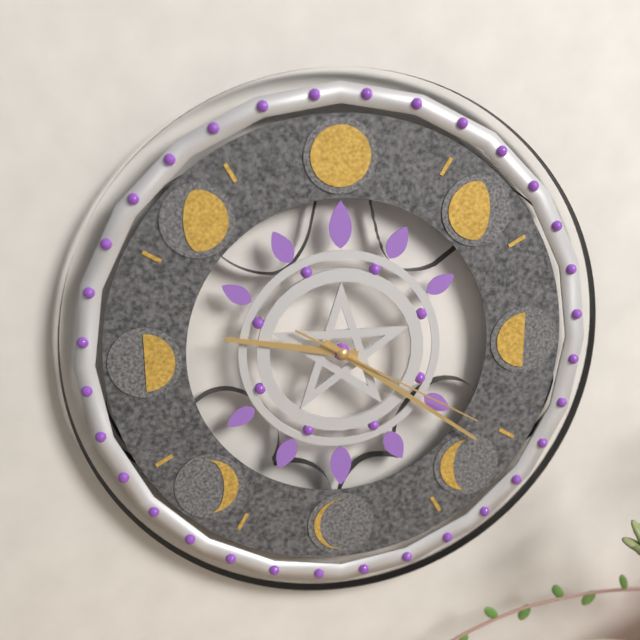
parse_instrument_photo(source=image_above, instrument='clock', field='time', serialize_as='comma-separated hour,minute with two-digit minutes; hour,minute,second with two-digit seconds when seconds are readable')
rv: 9,21,20
